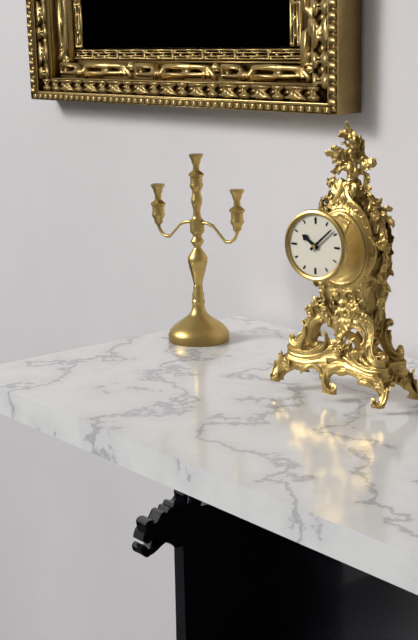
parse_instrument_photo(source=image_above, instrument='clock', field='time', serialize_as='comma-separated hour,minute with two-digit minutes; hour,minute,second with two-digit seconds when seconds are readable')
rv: 10,08
